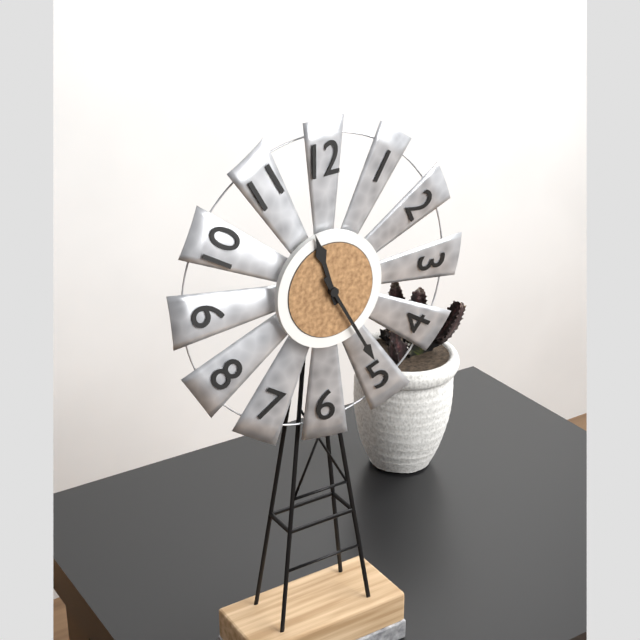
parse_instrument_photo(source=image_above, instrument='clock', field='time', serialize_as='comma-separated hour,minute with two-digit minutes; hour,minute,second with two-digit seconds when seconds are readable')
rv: 11,25
